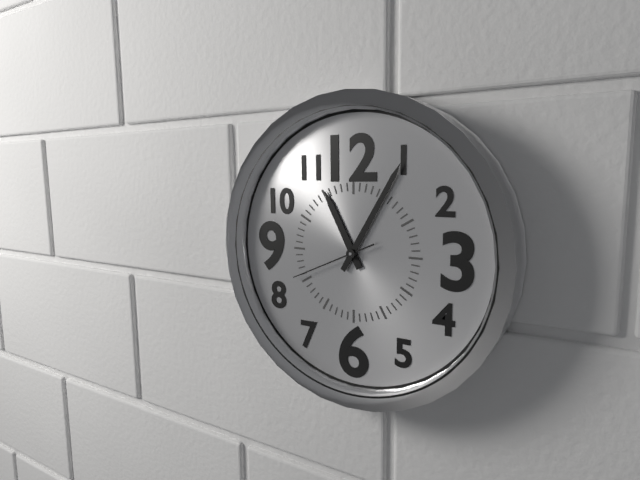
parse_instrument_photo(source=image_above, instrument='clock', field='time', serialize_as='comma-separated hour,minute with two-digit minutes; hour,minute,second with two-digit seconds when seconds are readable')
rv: 11,05,41
